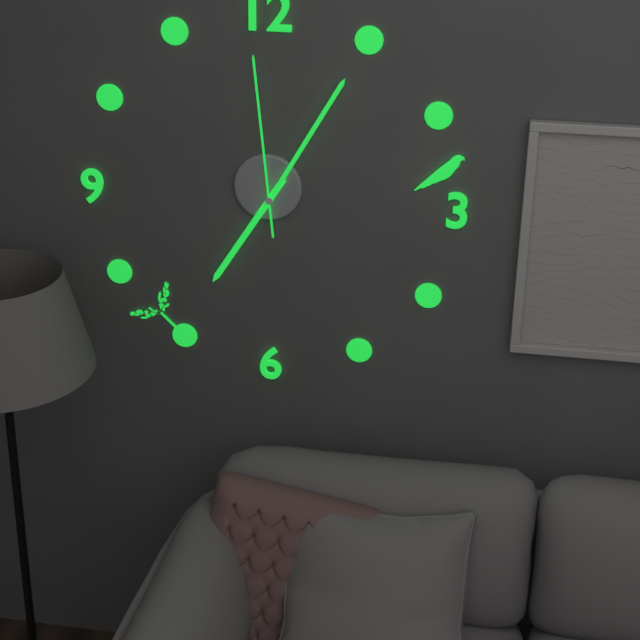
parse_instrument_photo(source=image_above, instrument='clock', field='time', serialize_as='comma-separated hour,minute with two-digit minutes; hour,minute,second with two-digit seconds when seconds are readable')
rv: 7,05,59
